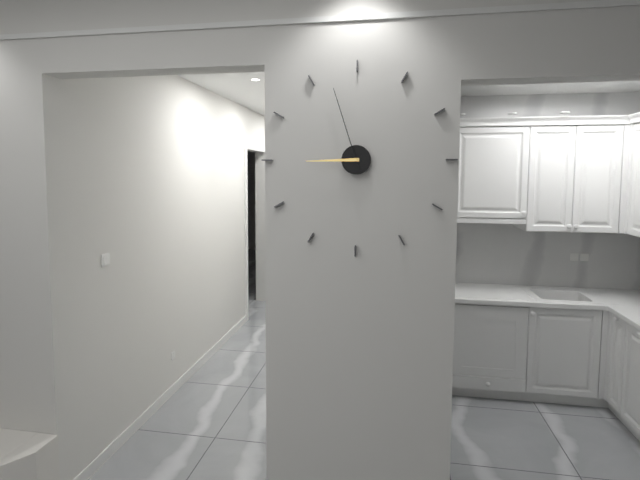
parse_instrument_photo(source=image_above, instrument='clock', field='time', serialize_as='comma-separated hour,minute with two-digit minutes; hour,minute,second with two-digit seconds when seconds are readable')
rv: 8,57
